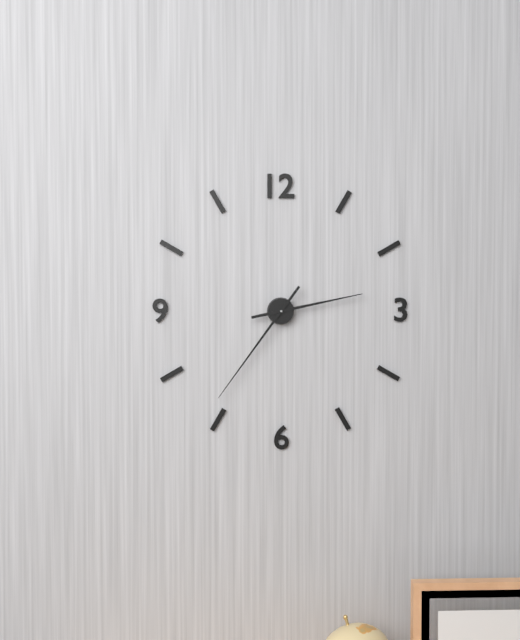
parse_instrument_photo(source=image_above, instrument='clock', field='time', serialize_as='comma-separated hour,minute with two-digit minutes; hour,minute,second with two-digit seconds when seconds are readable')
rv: 2,36
